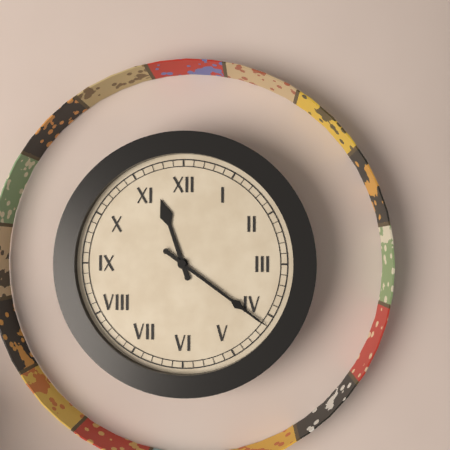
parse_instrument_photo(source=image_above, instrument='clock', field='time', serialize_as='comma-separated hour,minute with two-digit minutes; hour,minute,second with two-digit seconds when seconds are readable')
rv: 11,21
